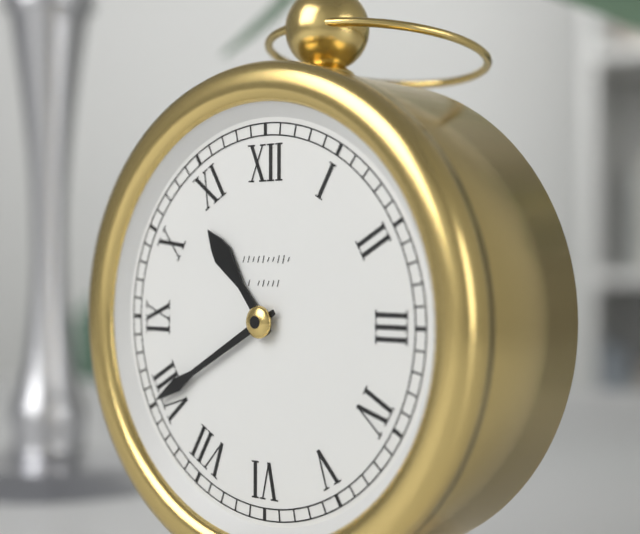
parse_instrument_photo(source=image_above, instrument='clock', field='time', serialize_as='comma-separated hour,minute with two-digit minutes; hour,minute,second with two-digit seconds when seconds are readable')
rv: 10,40
